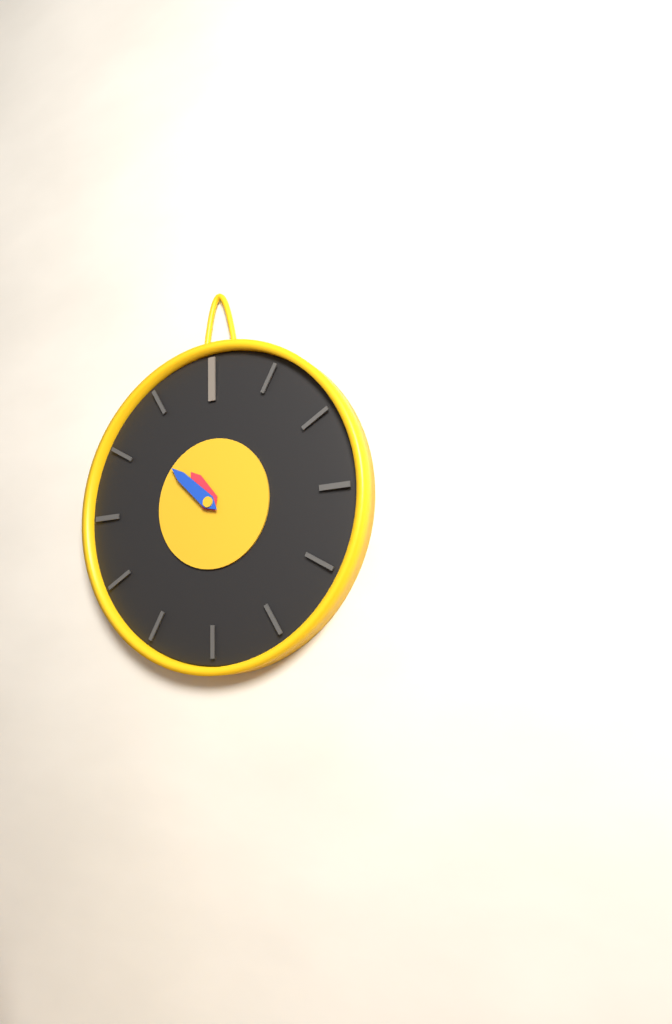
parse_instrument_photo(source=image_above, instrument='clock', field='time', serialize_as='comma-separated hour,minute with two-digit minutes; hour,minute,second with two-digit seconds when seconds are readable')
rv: 10,52
